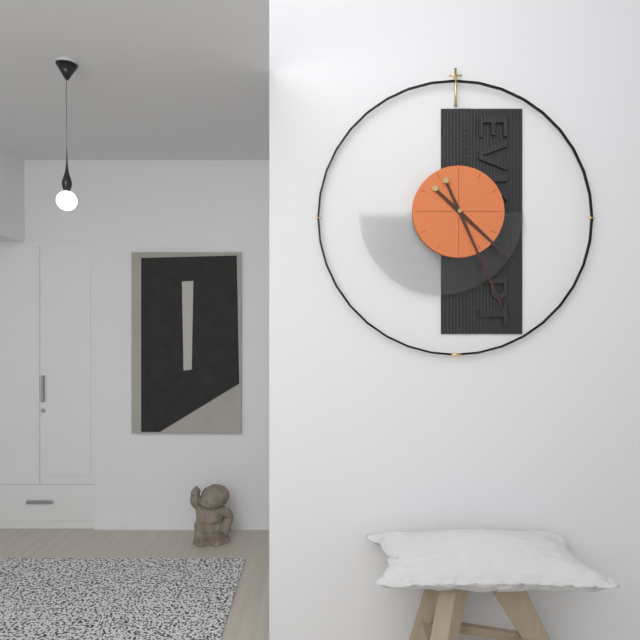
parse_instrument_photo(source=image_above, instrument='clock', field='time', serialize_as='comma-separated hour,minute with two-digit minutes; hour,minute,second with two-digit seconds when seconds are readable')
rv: 4,26
